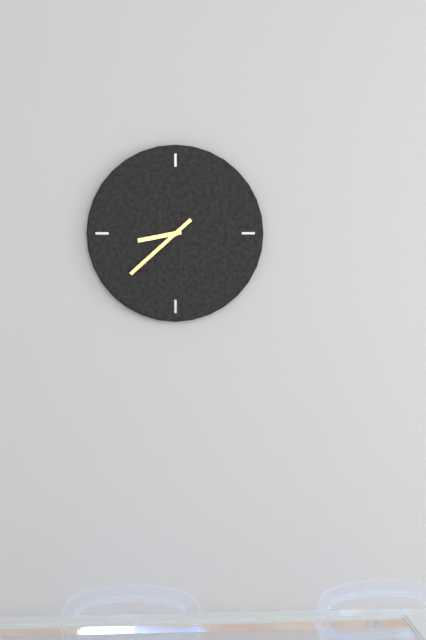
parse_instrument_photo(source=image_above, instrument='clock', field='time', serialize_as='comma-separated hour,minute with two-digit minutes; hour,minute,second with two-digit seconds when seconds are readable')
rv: 8,38
